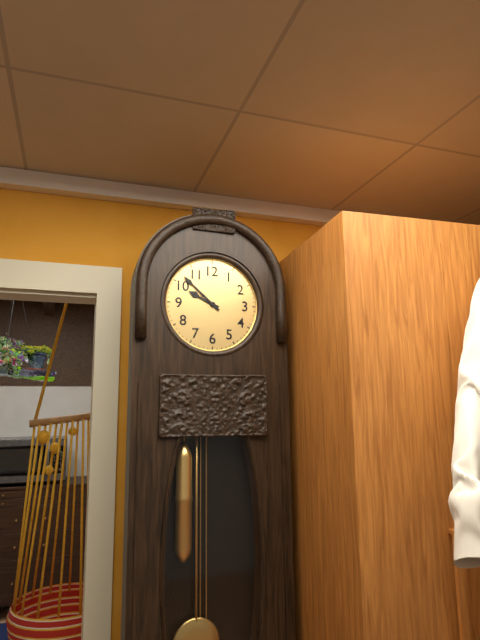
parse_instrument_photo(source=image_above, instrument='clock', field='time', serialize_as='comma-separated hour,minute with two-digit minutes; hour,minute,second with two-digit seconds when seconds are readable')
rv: 9,52
